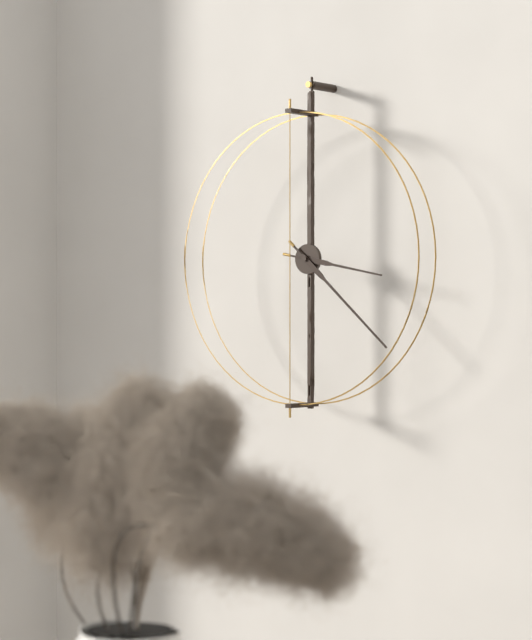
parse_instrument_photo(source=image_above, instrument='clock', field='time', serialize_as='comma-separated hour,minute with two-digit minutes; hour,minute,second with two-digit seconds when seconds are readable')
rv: 3,22
